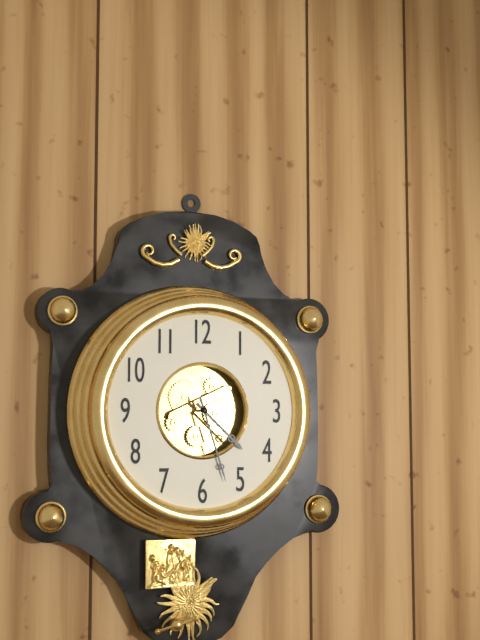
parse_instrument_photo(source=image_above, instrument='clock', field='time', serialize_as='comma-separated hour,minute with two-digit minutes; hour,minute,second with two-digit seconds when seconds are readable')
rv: 4,27
